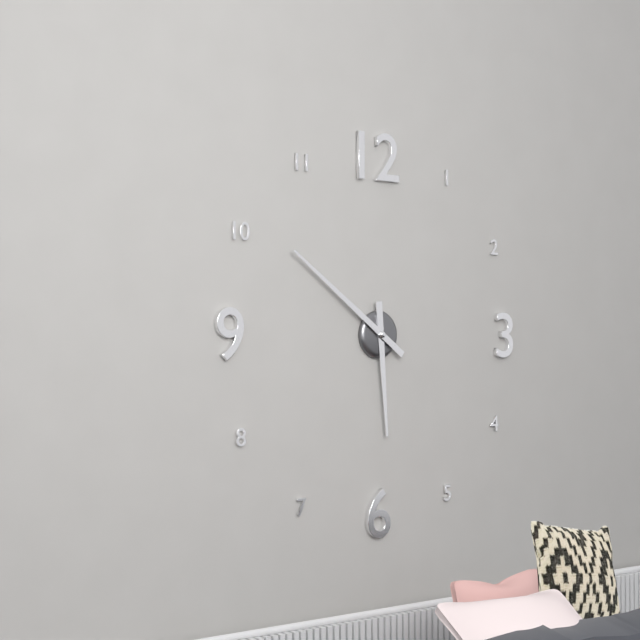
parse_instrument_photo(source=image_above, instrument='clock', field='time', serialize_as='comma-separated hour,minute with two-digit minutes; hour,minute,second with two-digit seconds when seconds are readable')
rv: 5,51
